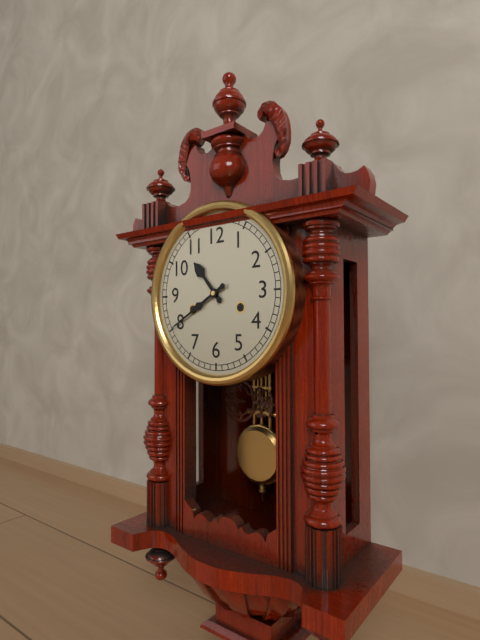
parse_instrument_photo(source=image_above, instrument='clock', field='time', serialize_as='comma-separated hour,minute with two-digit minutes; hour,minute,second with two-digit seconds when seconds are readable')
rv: 10,40
